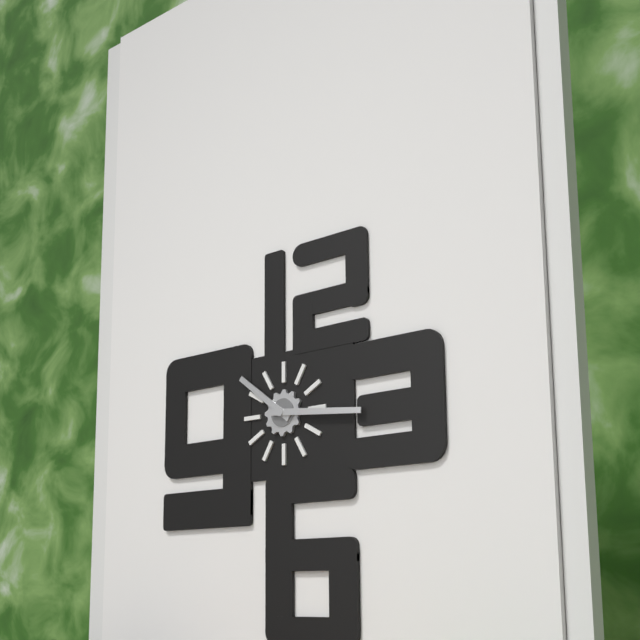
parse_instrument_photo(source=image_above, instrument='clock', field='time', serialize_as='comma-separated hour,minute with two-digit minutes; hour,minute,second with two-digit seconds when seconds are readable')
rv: 10,16
